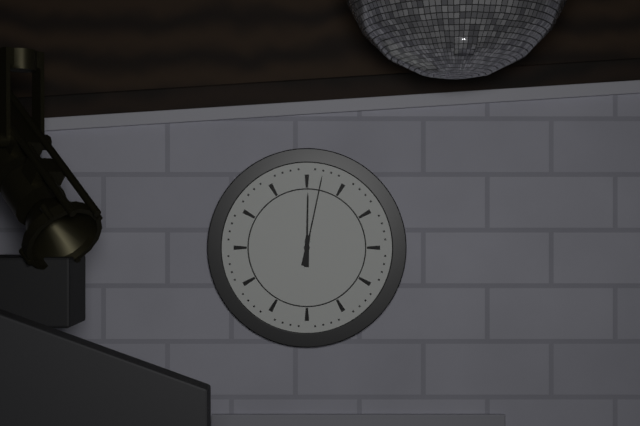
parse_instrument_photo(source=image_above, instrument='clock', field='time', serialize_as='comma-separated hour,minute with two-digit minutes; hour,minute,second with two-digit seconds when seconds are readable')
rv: 12,02
